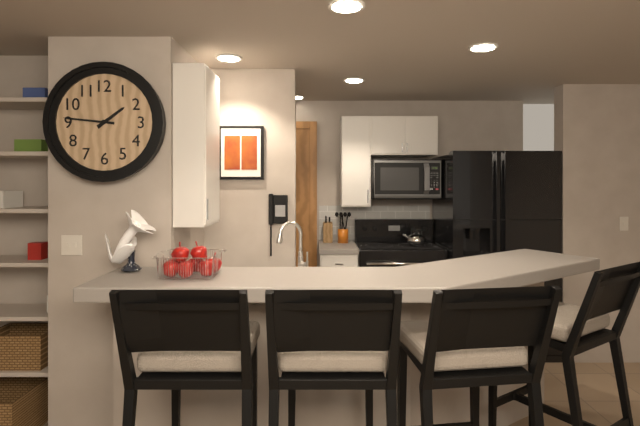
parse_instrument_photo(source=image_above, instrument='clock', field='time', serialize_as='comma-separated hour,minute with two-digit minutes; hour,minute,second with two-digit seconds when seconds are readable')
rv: 1,46
